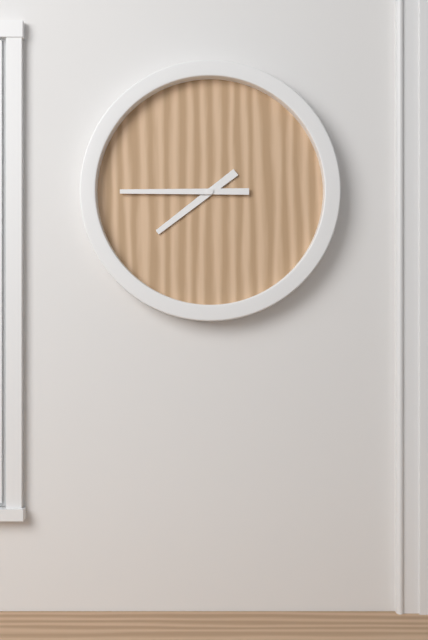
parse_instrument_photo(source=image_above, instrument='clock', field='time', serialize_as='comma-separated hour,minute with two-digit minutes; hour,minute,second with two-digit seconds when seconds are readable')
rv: 7,45
